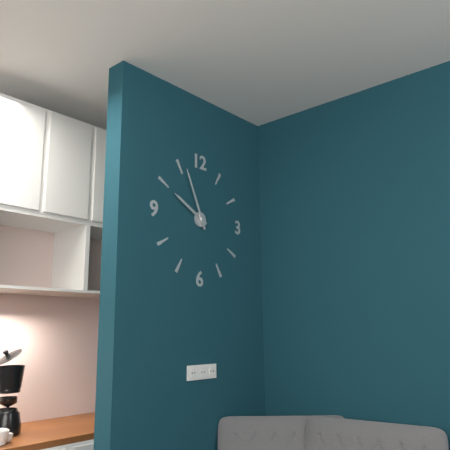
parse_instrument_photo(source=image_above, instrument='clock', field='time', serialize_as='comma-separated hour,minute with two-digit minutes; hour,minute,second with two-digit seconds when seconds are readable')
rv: 9,56
